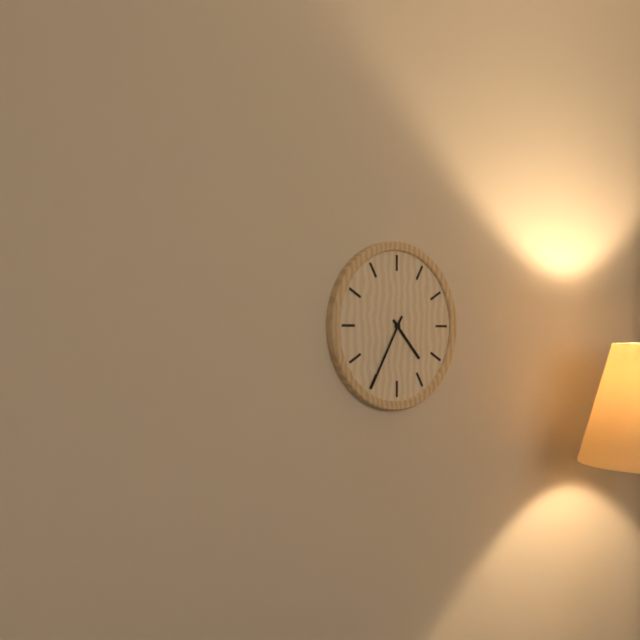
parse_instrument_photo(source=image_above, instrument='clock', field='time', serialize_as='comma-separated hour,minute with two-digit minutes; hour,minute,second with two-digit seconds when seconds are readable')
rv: 4,35
